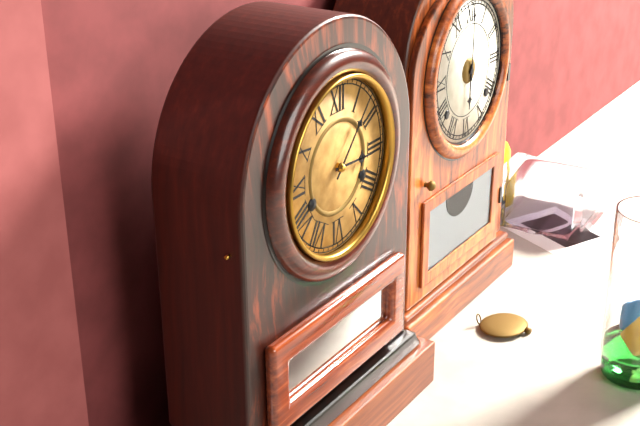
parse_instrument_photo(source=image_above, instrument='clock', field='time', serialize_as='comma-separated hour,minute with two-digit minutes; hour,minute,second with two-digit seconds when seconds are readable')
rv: 3,07
